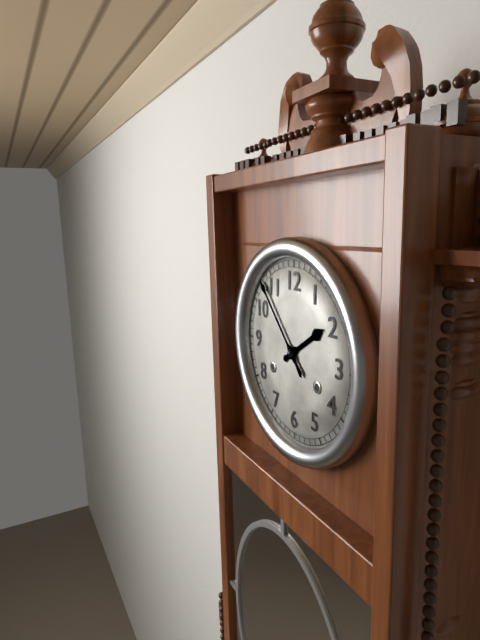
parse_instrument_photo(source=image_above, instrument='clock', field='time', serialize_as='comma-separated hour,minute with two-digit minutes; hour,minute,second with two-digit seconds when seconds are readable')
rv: 1,53
